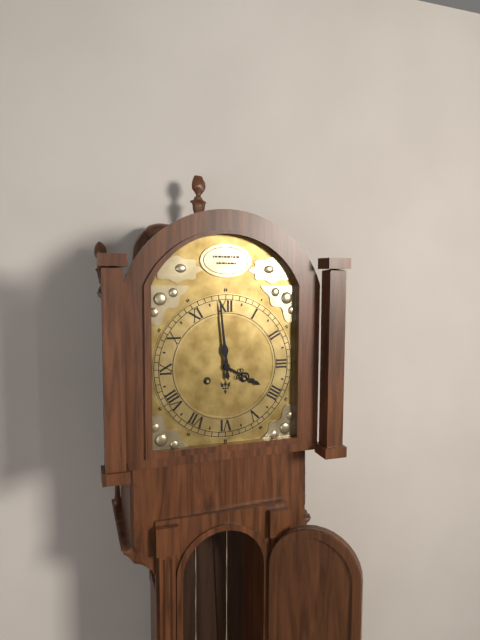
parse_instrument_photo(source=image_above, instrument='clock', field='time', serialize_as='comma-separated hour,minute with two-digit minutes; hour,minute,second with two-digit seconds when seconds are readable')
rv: 3,59
